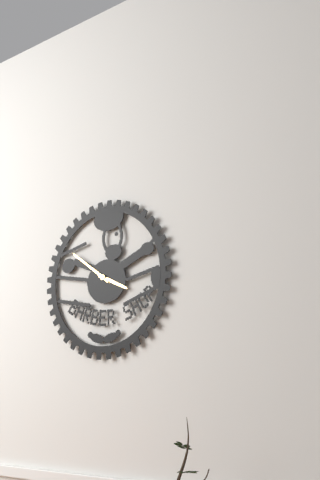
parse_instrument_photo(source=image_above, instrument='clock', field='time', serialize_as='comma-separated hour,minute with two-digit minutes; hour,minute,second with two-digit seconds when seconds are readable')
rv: 3,51
